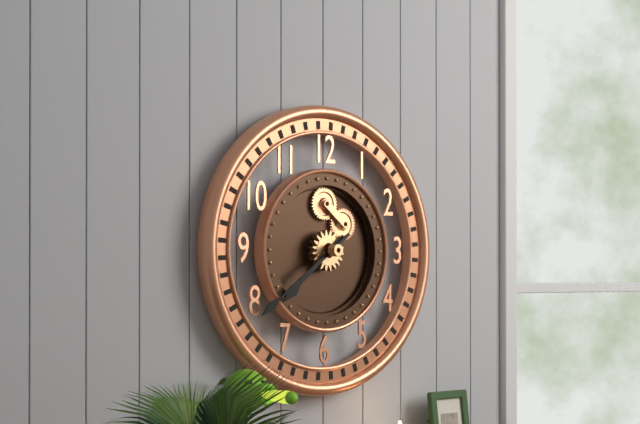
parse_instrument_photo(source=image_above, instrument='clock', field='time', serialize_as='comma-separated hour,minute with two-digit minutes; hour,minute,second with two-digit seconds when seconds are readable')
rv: 7,39
